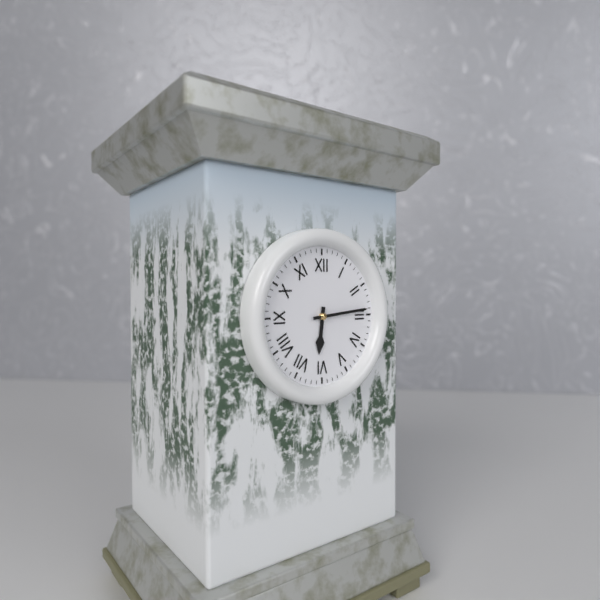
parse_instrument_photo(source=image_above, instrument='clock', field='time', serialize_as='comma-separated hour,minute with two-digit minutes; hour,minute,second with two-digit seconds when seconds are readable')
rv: 6,14
